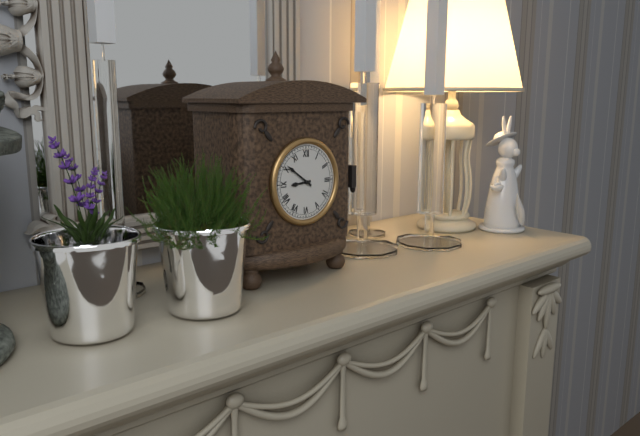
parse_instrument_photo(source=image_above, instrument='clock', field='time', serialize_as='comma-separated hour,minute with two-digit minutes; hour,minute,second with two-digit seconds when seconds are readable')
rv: 8,51
